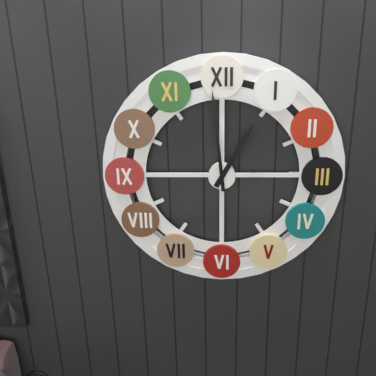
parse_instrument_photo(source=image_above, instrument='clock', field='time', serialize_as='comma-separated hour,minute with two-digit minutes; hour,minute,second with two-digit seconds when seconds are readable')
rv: 12,59
